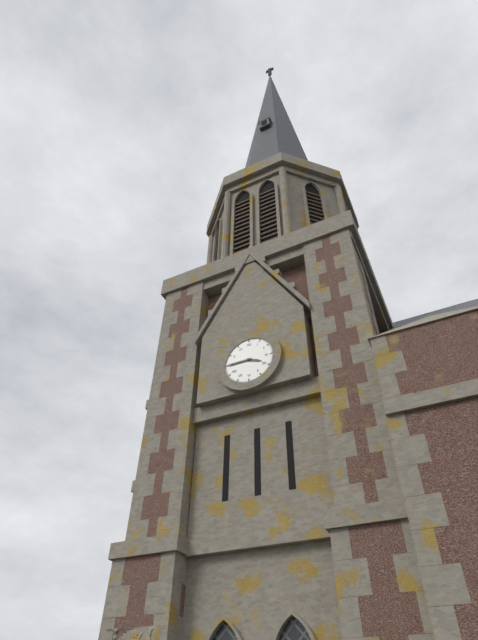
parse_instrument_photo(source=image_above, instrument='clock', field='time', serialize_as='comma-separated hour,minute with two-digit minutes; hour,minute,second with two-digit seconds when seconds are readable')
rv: 3,45
